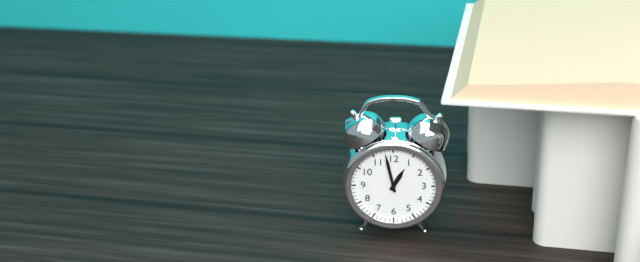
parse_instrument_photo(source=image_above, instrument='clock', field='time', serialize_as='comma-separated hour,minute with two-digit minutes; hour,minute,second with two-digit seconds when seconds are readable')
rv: 12,58
